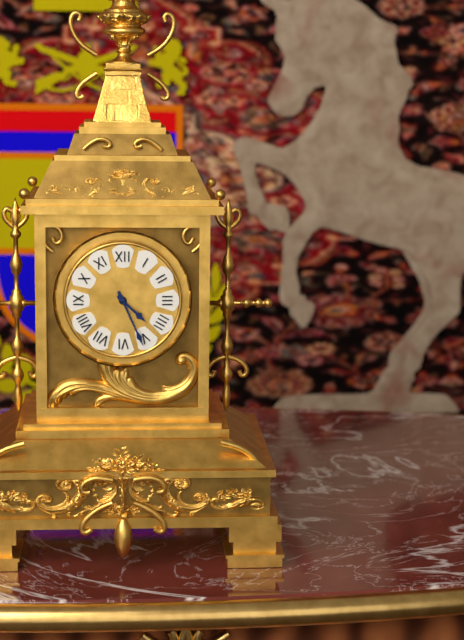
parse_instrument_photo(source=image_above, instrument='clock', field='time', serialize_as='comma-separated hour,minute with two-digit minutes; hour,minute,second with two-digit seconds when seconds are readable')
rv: 4,26
